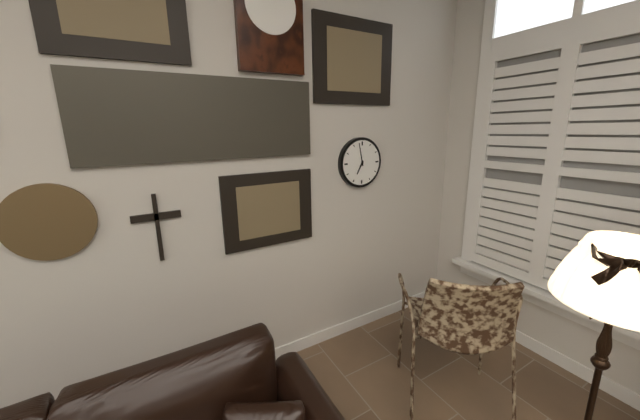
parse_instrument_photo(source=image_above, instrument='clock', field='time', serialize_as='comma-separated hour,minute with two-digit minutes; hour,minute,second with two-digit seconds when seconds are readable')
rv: 6,58
